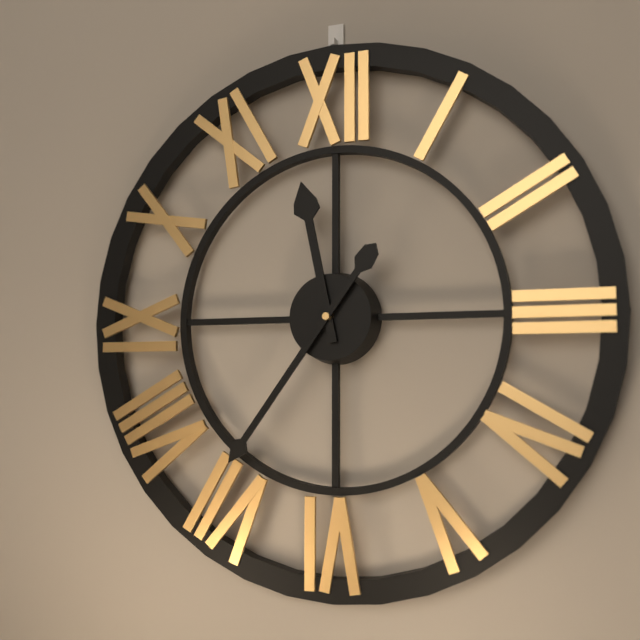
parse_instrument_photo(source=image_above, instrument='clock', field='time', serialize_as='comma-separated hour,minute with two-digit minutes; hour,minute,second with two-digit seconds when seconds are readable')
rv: 11,36
